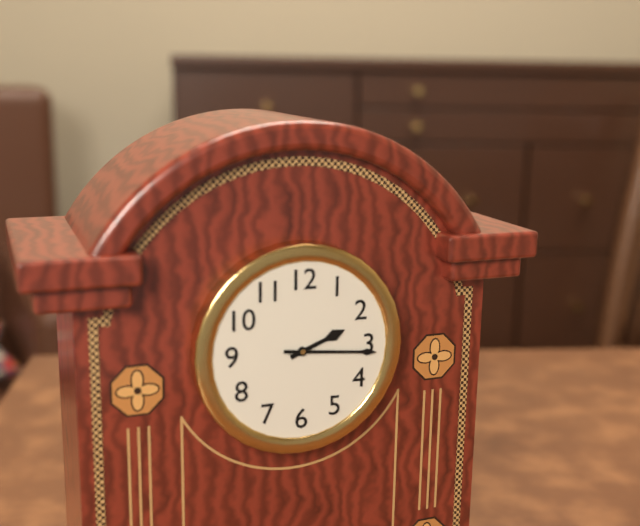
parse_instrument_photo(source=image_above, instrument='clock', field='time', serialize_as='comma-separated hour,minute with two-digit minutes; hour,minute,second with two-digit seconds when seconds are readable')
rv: 2,16
